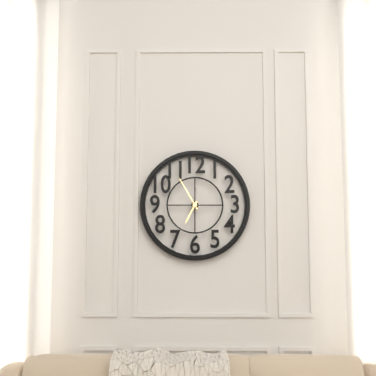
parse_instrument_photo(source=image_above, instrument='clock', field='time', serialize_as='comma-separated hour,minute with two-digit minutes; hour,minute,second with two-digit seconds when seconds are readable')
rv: 6,55
